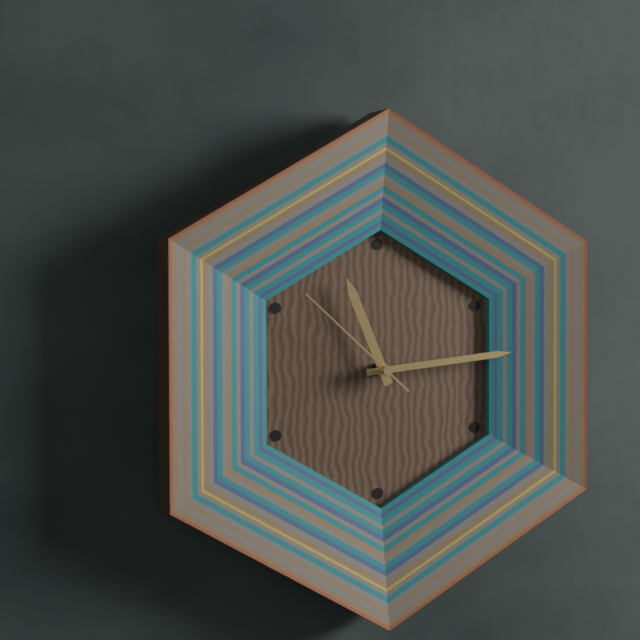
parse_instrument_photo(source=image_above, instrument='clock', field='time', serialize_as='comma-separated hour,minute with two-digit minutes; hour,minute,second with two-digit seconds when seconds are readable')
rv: 11,14,52
